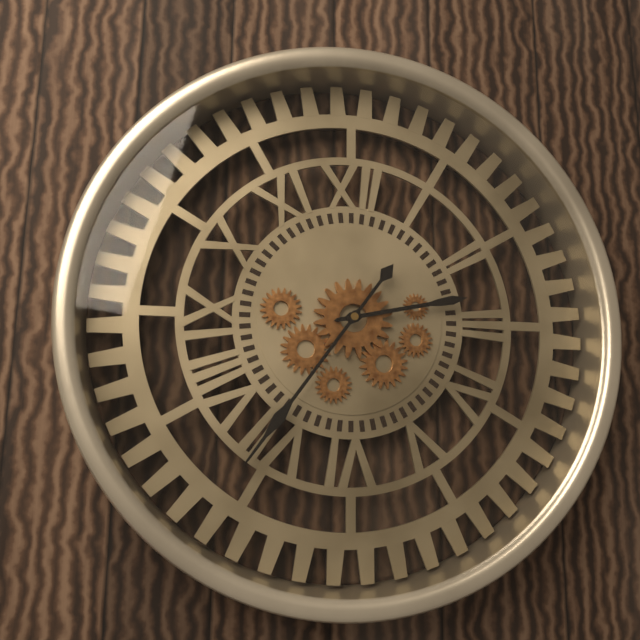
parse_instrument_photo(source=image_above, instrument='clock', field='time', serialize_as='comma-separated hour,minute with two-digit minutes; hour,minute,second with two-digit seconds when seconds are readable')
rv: 2,36
